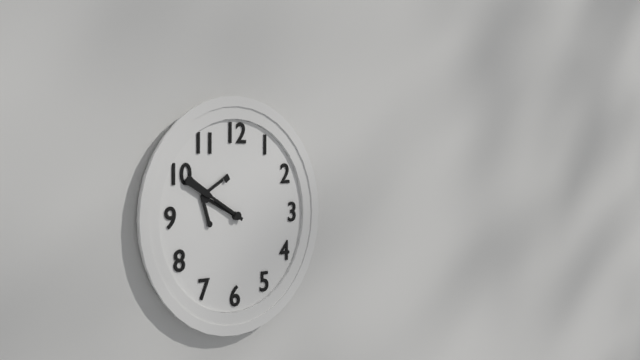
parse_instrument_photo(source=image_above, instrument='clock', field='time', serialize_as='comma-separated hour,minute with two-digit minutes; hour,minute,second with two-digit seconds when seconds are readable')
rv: 9,50
